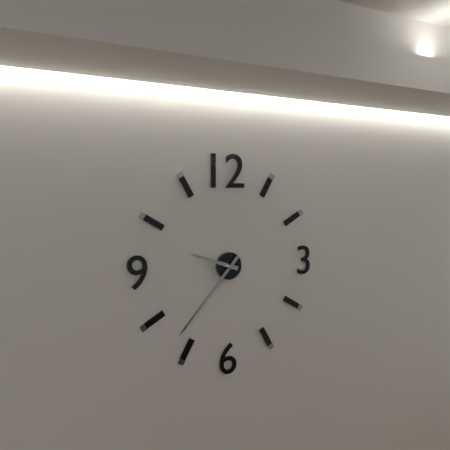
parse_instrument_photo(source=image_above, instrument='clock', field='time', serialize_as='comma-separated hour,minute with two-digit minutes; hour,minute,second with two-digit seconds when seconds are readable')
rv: 9,37
